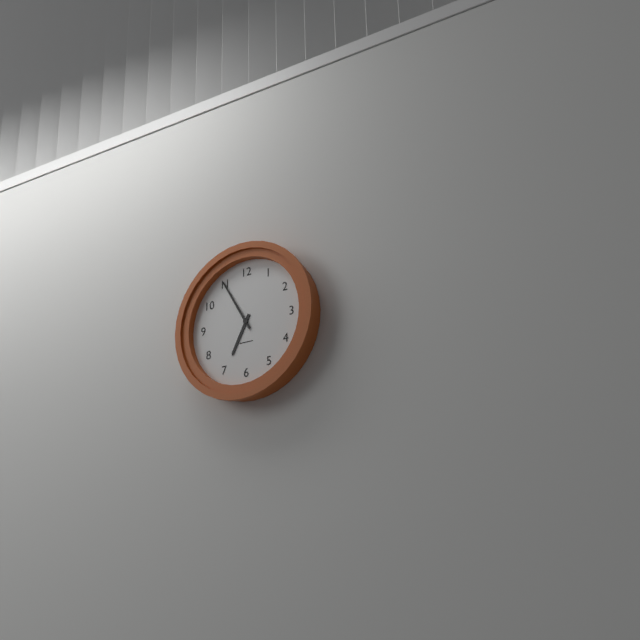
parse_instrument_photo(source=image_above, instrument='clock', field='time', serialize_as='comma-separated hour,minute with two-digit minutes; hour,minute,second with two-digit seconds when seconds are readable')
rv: 6,55
